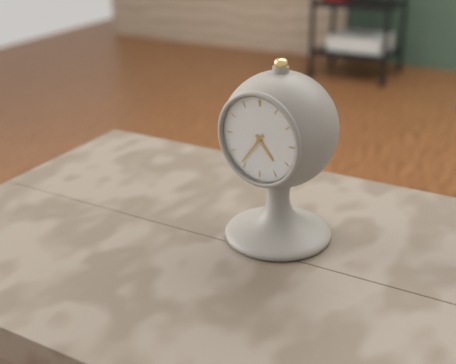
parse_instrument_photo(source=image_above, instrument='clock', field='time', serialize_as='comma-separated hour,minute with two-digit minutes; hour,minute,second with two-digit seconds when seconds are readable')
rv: 4,36
